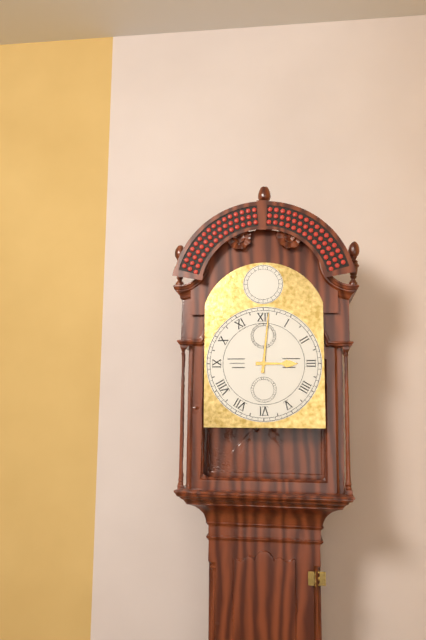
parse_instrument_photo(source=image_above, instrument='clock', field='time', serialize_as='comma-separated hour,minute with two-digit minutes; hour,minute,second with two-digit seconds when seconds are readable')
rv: 3,01
